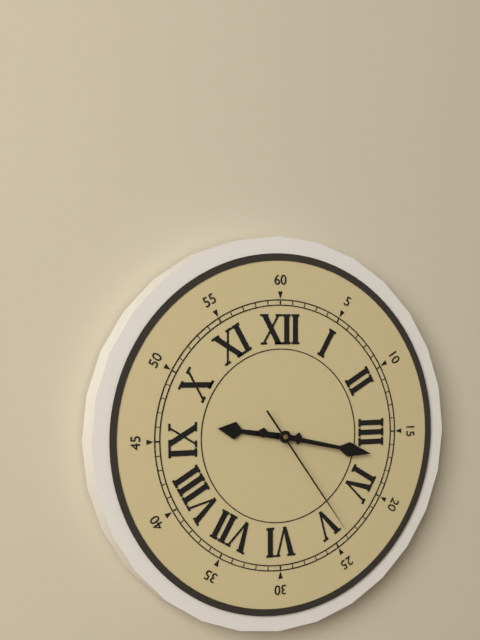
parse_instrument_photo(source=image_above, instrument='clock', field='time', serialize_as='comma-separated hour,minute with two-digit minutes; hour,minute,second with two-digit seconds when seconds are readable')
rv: 9,17,24
